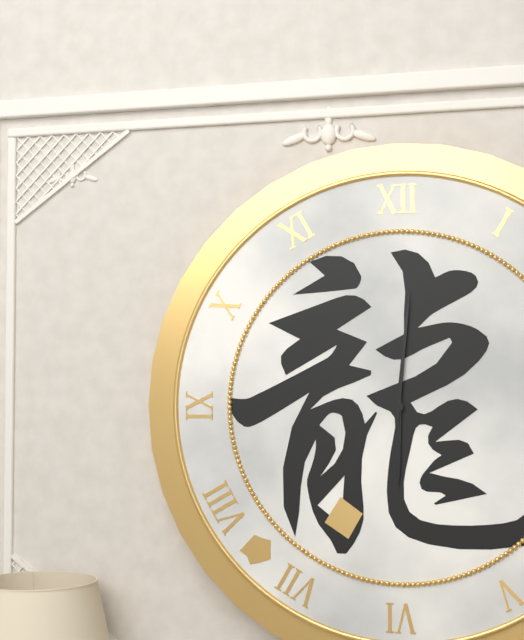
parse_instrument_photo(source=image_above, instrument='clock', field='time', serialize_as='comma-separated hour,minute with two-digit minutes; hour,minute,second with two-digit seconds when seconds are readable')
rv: 6,01
